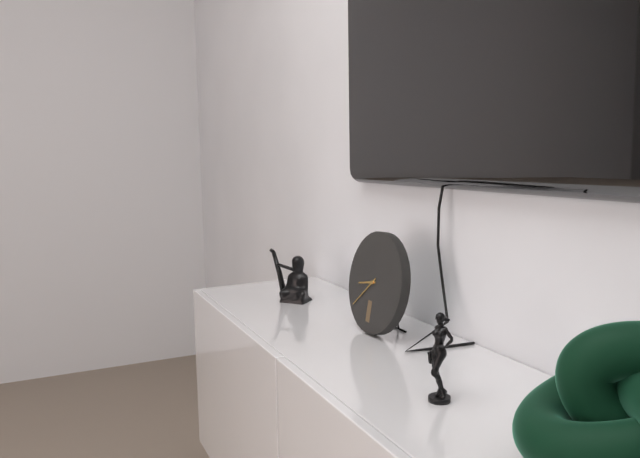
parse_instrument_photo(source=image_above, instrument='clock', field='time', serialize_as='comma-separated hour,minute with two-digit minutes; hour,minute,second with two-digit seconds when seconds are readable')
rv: 8,38
